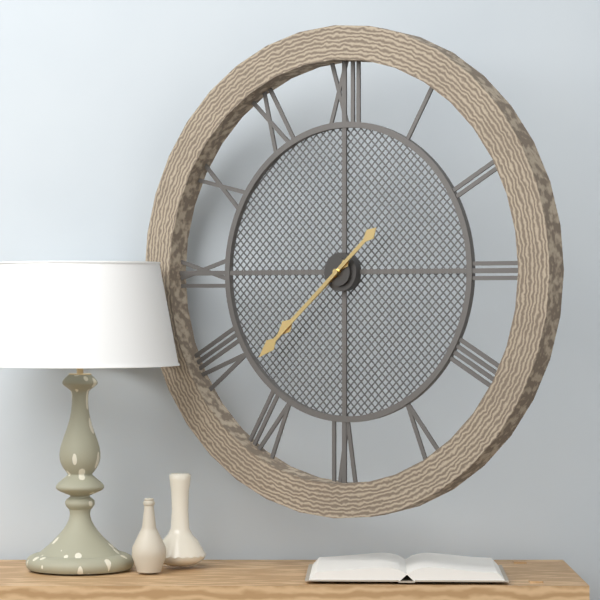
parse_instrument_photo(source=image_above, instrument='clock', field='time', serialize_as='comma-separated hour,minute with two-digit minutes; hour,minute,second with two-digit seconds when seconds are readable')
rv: 7,38
